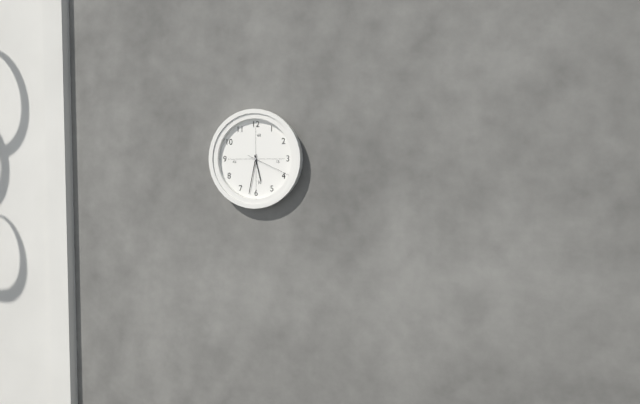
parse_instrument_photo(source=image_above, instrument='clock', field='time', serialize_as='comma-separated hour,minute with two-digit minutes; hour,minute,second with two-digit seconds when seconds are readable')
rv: 5,32
